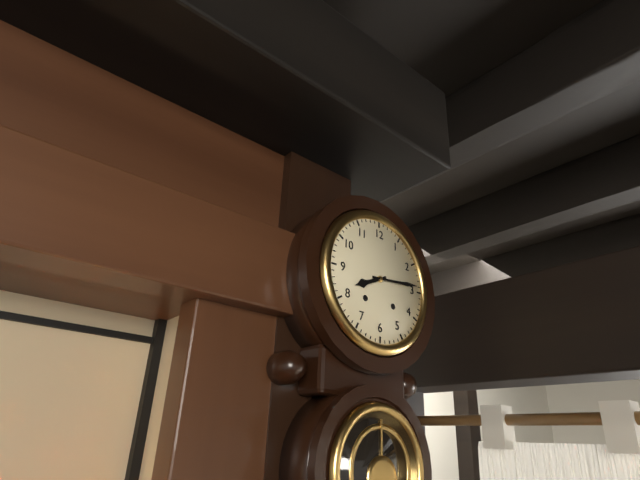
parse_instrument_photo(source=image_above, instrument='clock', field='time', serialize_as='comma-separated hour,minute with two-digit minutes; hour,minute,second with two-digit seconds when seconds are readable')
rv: 8,14
